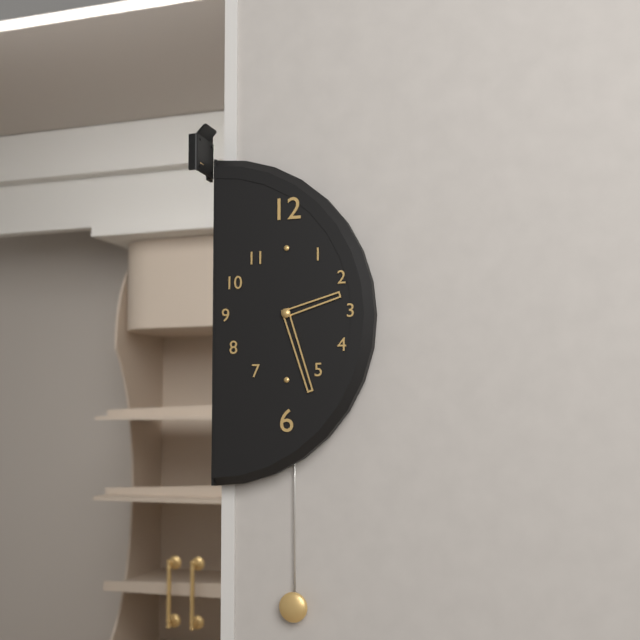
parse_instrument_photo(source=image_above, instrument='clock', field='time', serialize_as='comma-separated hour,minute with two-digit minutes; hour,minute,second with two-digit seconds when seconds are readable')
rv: 2,27
